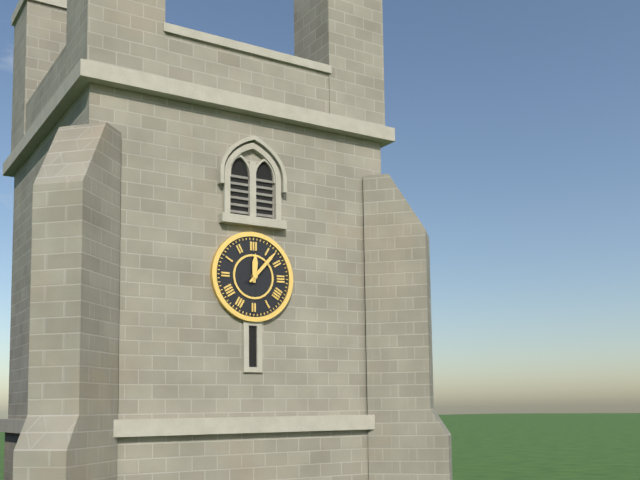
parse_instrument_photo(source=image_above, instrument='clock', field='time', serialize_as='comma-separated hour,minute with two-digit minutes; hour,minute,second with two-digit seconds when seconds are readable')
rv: 12,07
